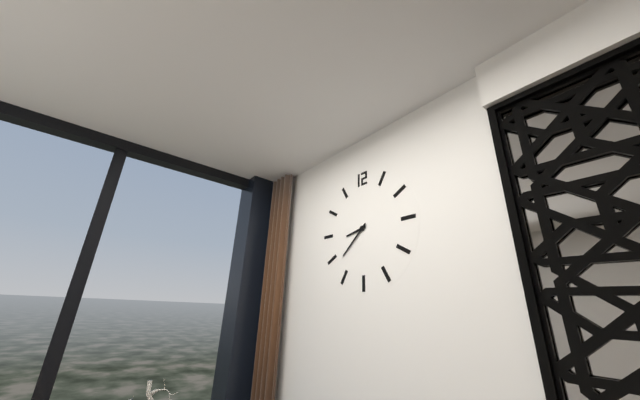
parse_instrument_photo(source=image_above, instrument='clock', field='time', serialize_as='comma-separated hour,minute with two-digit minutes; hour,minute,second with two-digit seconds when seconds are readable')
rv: 8,38
